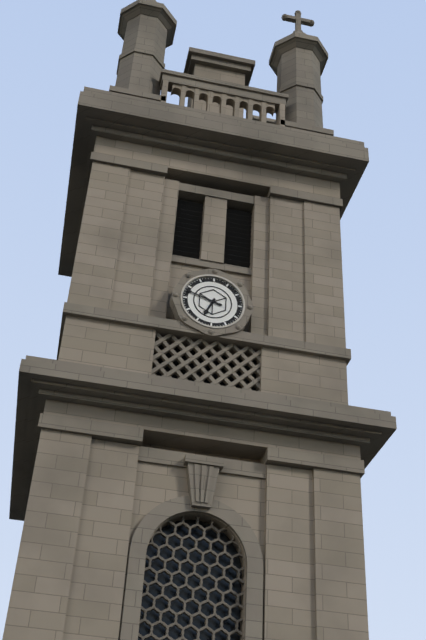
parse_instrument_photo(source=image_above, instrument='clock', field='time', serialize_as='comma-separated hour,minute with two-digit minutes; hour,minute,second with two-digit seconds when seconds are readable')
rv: 6,48
